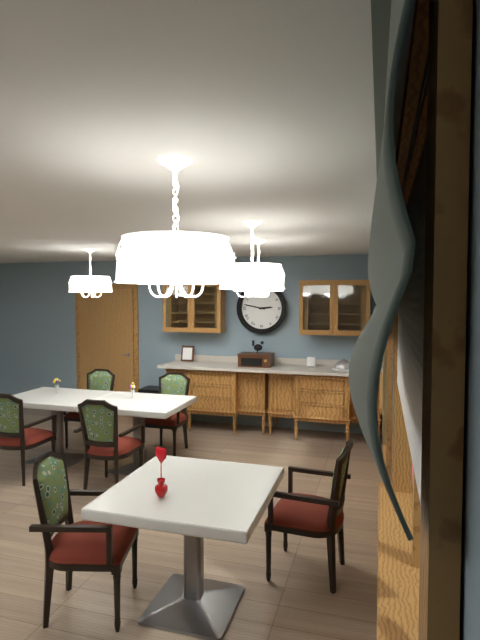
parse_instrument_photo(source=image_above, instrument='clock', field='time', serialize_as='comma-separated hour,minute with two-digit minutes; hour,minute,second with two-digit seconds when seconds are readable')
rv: 2,47
